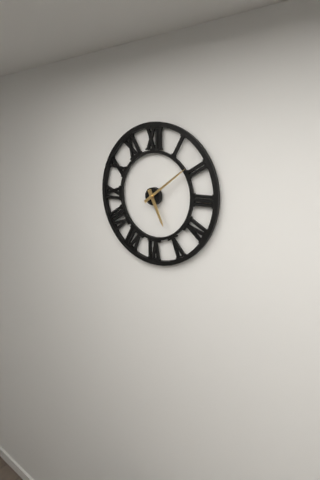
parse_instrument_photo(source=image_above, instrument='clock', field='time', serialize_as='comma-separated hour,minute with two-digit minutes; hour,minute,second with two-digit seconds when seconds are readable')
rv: 5,09
